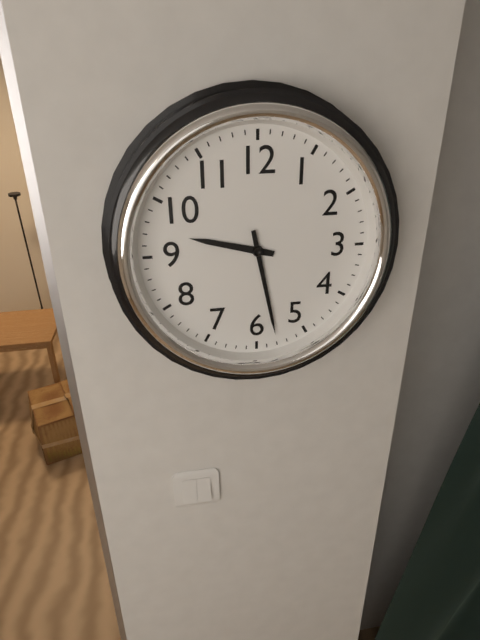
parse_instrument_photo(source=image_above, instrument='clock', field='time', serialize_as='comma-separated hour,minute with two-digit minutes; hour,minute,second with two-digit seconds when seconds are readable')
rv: 9,28
